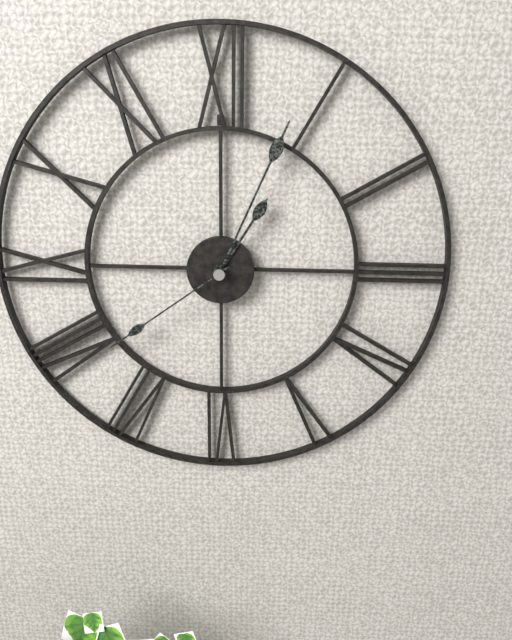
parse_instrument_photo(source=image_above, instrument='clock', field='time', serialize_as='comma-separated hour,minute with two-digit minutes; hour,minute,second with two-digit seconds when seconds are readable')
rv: 1,04,39
